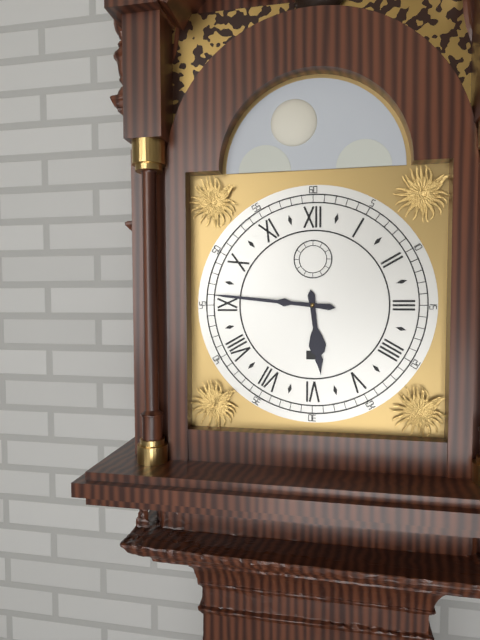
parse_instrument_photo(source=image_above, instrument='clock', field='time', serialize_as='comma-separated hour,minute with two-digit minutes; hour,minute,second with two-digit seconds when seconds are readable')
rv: 5,46
